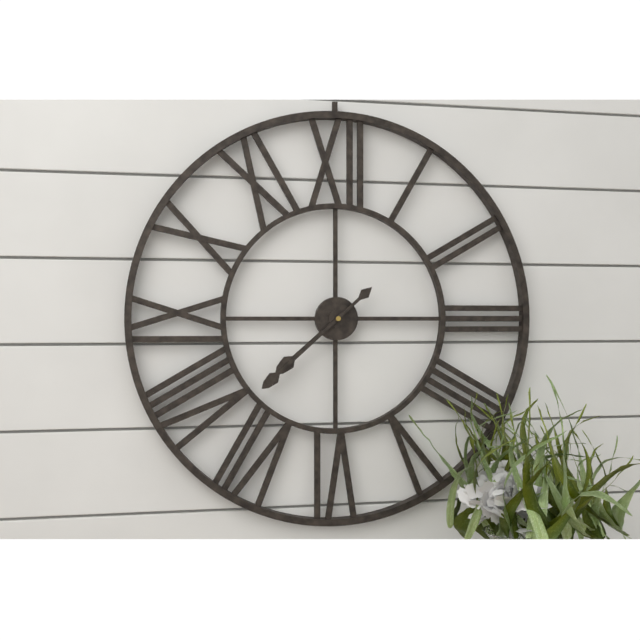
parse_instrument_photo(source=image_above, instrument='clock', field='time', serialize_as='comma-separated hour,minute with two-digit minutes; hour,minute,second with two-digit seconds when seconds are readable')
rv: 7,38
